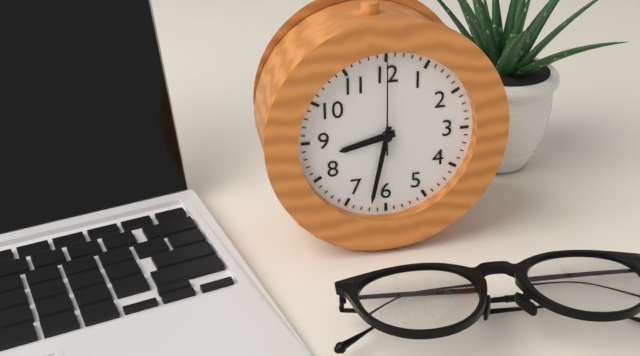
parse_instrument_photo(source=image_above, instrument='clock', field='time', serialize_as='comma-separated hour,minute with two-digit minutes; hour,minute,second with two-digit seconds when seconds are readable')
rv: 8,32,00
